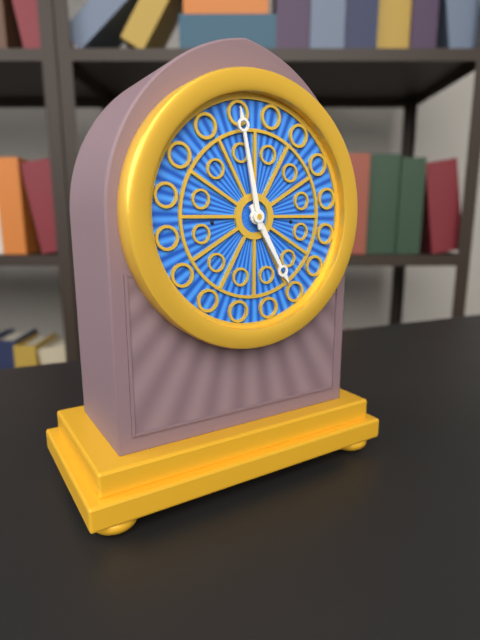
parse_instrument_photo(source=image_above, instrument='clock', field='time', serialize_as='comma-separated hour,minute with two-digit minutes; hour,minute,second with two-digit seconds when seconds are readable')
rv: 4,58
